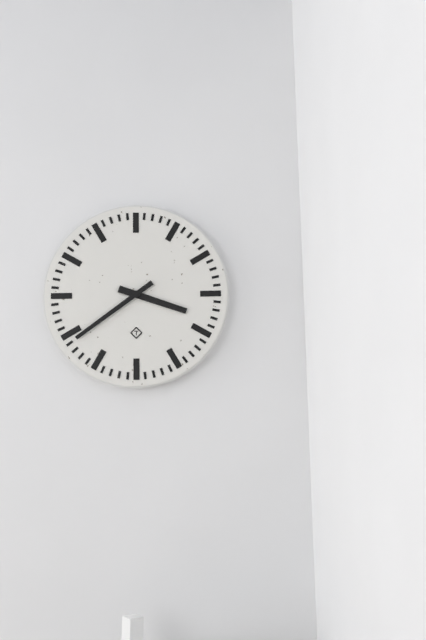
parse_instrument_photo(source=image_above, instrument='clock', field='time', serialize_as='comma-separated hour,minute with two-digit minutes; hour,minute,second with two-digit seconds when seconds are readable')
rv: 3,39
